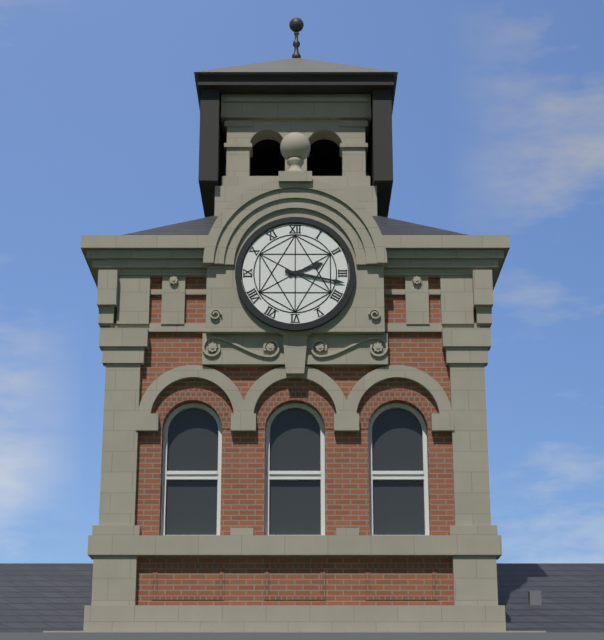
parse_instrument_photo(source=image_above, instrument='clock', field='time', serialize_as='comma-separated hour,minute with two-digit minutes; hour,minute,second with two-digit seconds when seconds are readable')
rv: 2,17
